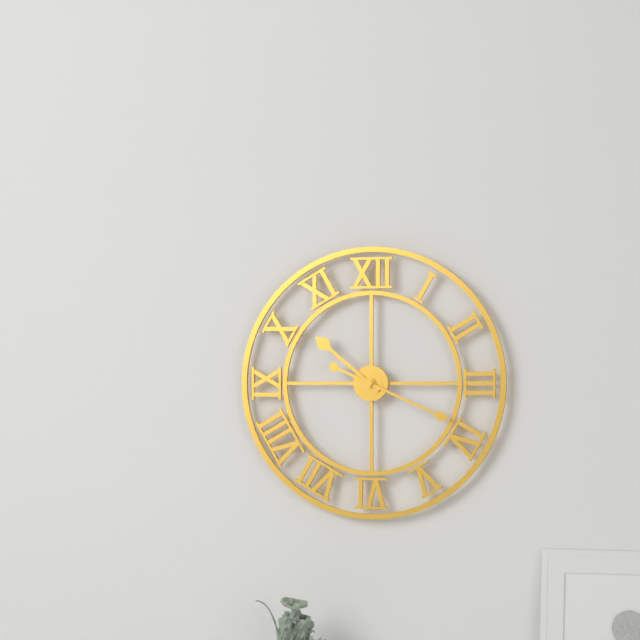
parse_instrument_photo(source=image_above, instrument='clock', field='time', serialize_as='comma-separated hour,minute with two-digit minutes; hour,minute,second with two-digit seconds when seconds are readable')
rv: 10,19
